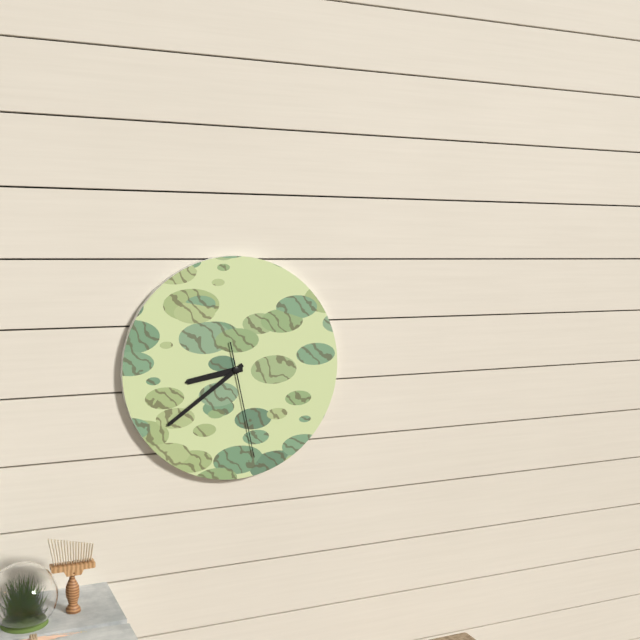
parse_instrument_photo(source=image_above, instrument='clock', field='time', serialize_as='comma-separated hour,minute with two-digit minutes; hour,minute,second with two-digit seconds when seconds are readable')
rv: 8,39,28
